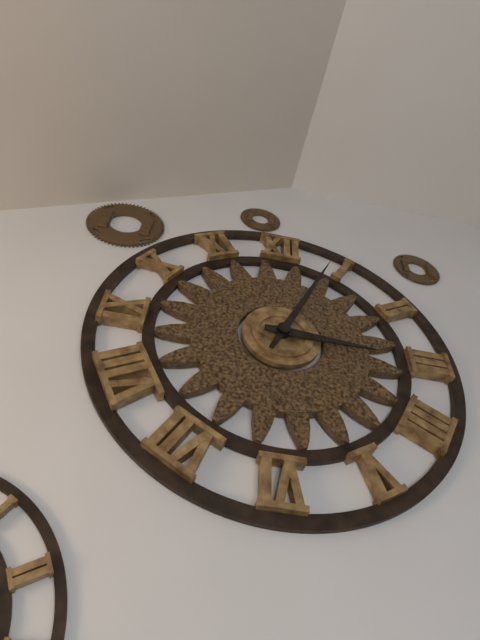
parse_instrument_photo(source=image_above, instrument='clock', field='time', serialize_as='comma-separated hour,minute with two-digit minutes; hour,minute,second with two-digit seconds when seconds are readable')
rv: 3,04
